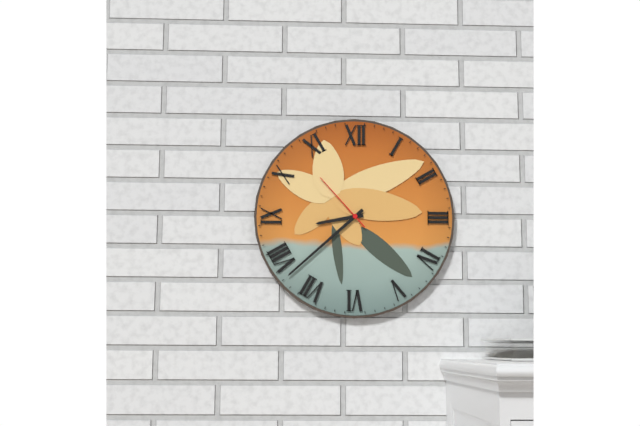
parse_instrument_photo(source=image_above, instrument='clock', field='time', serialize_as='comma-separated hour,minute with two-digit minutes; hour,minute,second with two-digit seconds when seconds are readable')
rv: 8,38,53
